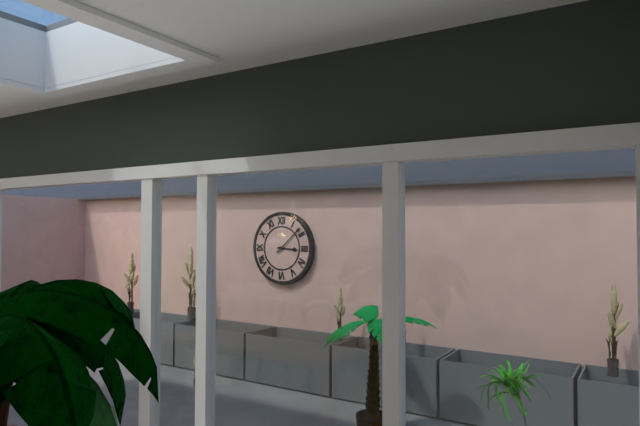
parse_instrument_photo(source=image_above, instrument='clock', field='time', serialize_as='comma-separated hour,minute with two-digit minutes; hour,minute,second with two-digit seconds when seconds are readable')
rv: 3,08
